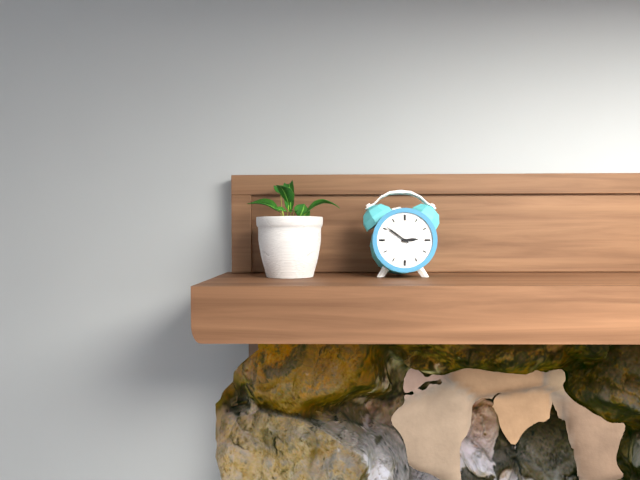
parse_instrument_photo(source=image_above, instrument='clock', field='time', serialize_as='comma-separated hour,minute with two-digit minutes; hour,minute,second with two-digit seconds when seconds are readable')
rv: 2,51
